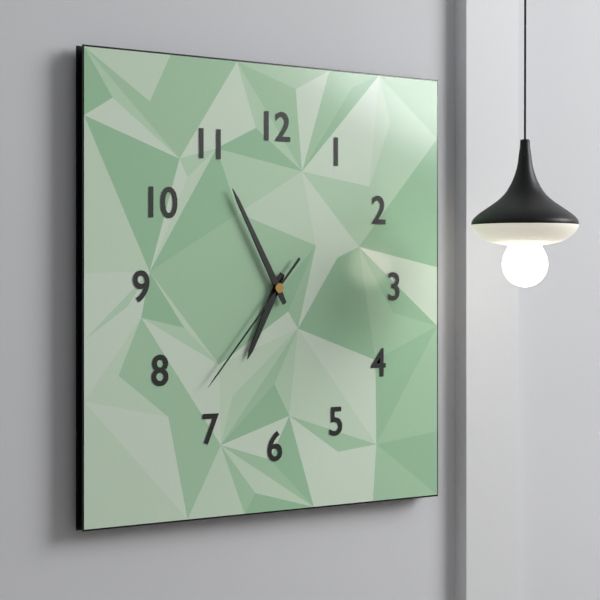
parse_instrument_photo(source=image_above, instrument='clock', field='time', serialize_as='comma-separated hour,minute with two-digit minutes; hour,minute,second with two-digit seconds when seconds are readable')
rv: 6,55,37
